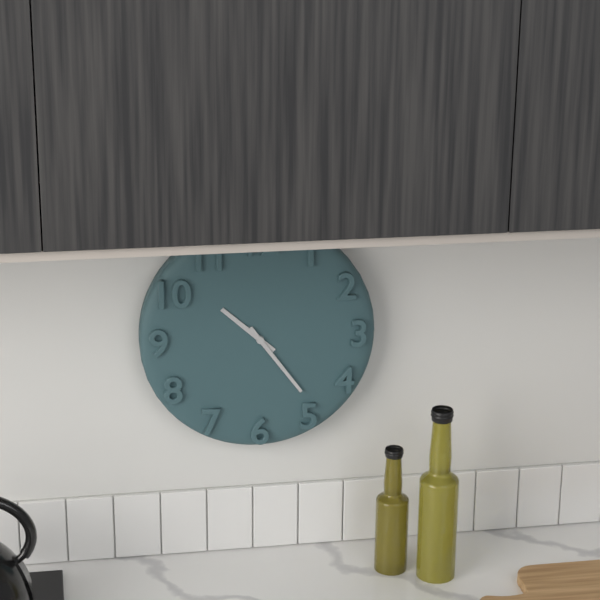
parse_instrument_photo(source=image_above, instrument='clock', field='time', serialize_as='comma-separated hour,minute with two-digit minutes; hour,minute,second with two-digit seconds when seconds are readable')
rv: 10,24
